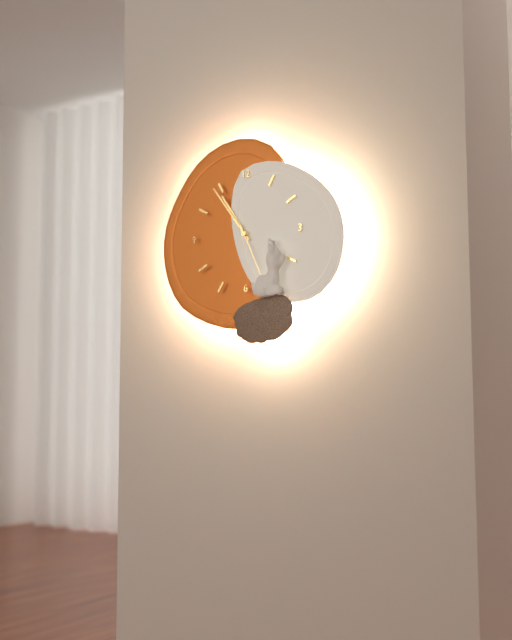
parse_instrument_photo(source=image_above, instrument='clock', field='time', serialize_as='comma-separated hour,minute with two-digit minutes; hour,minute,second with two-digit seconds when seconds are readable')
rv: 10,54
